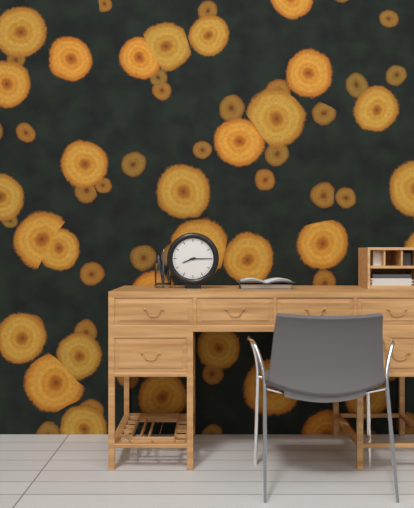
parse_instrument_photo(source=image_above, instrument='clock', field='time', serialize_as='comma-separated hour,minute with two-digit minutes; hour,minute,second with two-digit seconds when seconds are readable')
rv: 8,15
